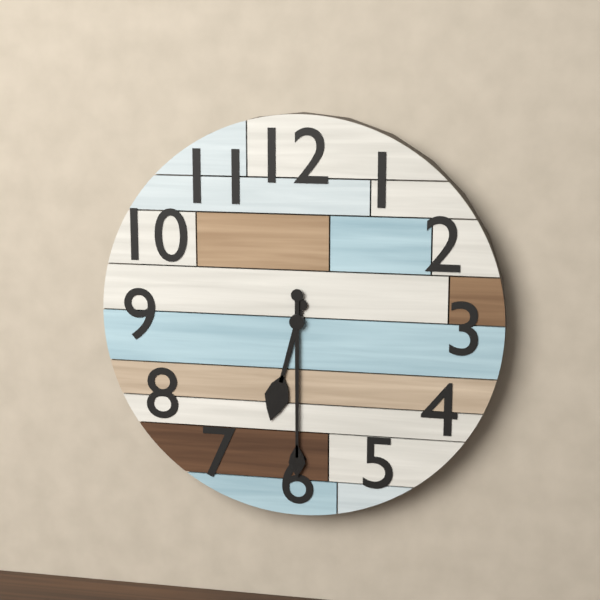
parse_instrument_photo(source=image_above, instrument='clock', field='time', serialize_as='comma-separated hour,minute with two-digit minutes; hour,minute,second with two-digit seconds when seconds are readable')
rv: 6,30
